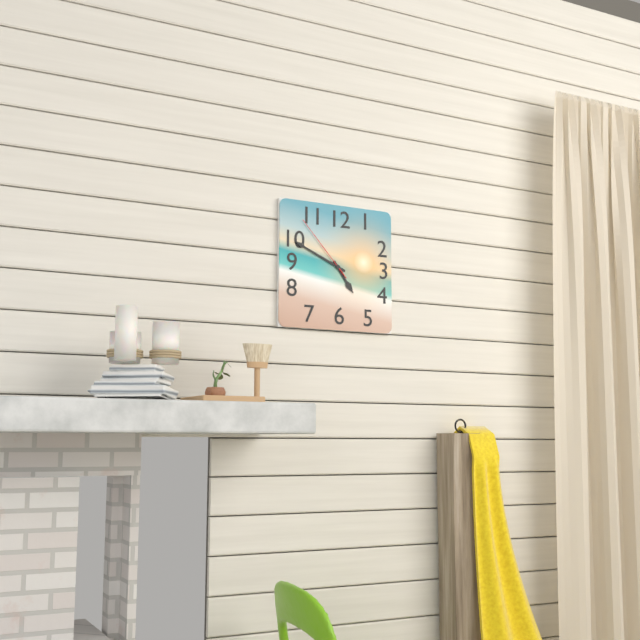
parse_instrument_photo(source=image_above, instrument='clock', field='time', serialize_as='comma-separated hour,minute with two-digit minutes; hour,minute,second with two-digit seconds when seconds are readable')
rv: 4,49,53
